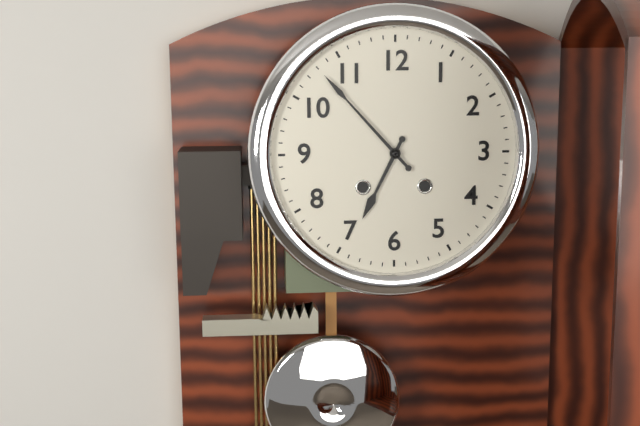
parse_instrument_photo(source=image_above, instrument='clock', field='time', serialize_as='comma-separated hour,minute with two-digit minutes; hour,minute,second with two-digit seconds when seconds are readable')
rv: 6,53
